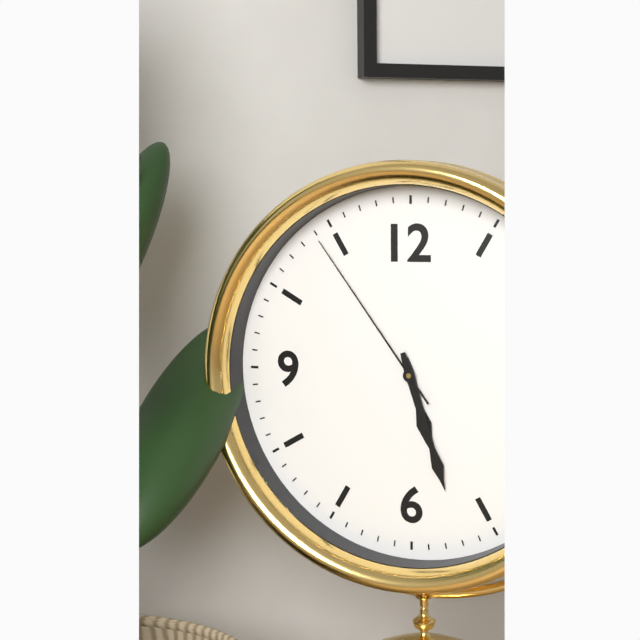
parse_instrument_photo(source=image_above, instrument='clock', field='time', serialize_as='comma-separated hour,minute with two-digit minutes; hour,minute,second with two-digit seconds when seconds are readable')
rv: 5,27,54
